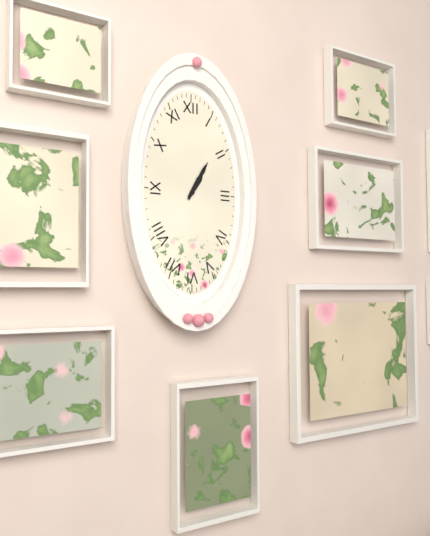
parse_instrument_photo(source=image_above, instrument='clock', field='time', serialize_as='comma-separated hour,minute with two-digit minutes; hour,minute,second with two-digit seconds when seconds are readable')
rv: 1,05
